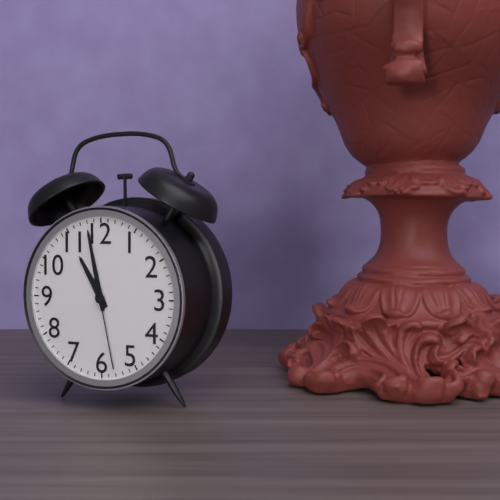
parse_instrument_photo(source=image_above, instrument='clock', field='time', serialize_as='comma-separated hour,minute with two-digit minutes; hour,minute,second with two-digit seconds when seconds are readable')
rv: 10,58,28
